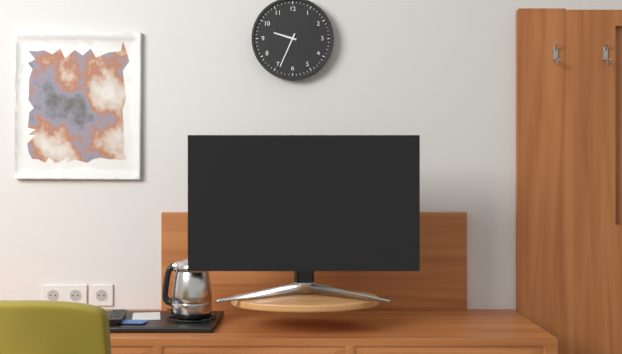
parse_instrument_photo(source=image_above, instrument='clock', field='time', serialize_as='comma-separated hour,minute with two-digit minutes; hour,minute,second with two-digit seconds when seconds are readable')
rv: 9,34
